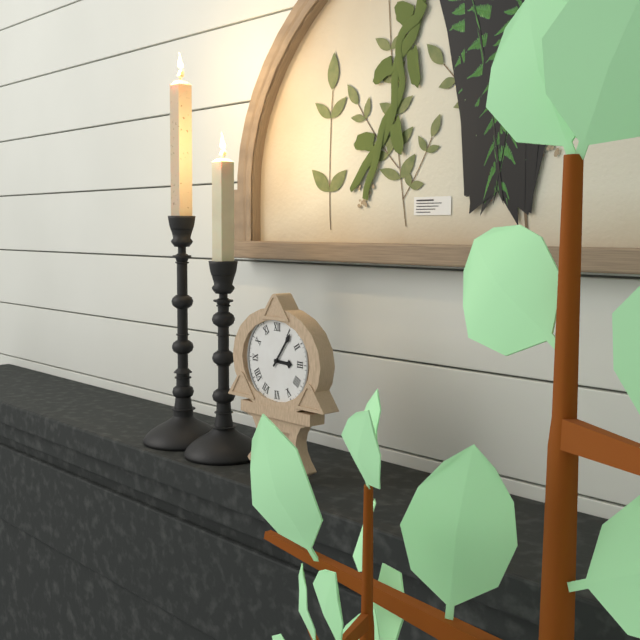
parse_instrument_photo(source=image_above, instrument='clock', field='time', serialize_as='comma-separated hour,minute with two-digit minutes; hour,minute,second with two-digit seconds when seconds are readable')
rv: 3,06
